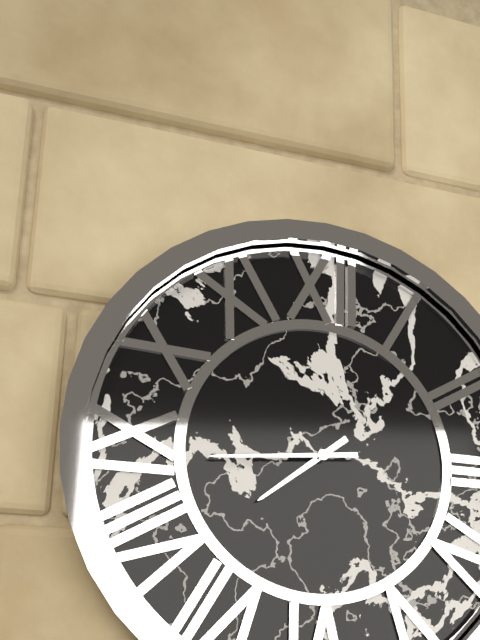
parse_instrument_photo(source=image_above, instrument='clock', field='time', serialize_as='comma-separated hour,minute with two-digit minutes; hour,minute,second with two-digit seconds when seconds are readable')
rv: 7,44
